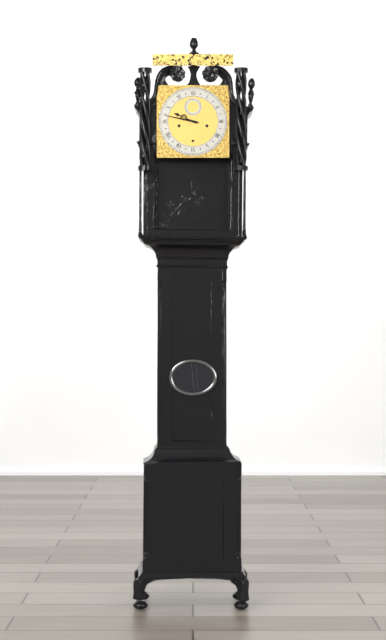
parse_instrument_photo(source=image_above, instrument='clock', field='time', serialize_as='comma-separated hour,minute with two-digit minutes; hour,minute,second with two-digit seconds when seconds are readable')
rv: 9,47
